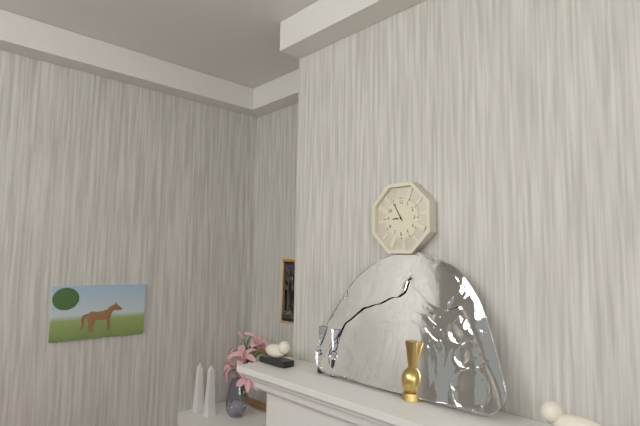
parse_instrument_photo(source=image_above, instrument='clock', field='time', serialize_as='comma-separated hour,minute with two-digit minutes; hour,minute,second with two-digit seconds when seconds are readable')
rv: 8,55
